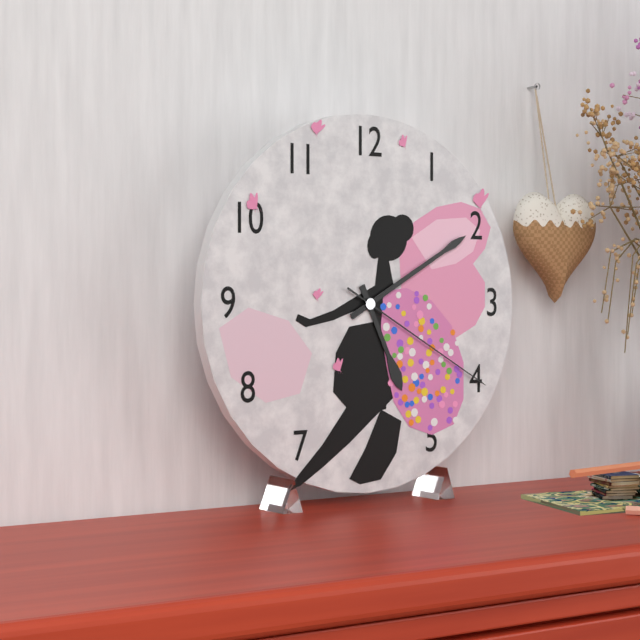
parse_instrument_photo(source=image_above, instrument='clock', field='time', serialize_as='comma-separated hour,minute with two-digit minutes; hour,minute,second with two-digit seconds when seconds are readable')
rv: 5,10,20
